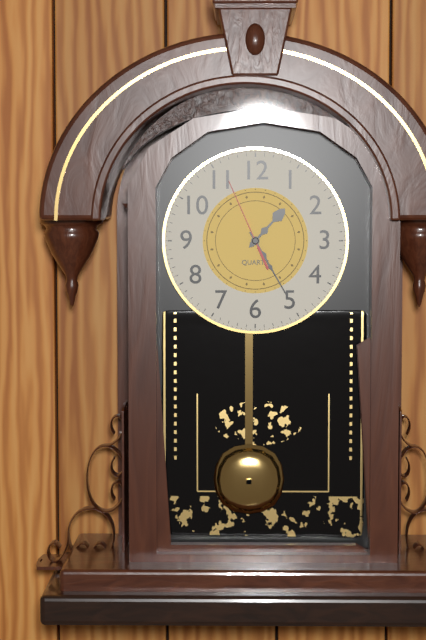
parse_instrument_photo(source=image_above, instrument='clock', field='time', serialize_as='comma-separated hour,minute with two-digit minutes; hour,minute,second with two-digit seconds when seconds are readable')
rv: 1,25,56
